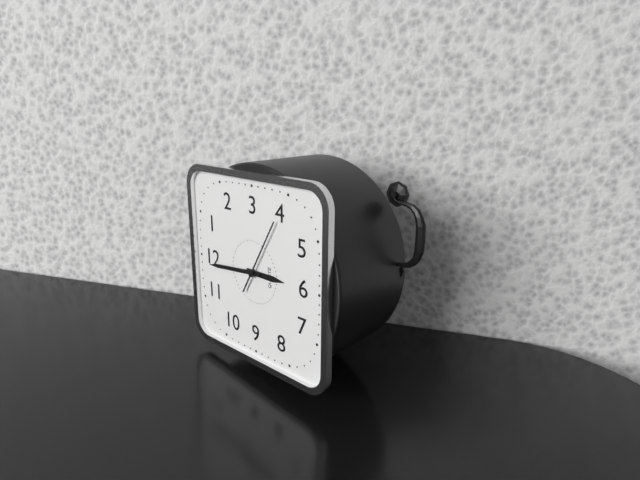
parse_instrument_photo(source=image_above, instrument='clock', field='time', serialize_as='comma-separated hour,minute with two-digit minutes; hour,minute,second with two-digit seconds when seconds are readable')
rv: 5,59,20
